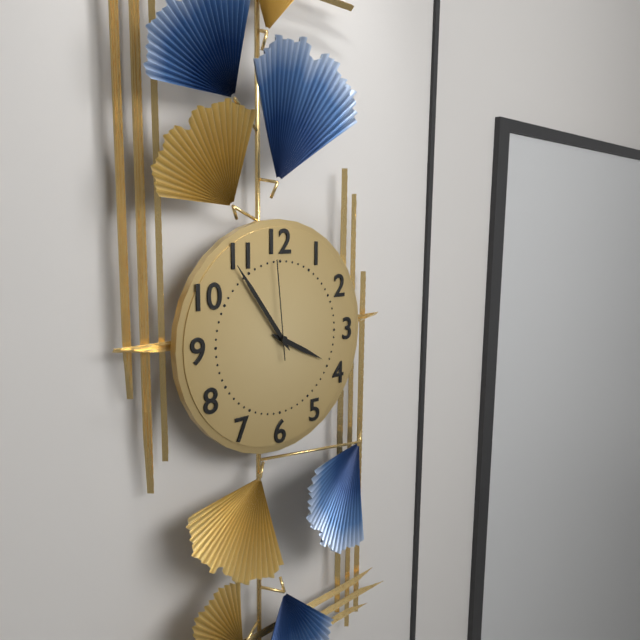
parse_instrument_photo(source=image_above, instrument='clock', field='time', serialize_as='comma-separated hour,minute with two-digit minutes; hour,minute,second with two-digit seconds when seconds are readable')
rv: 3,54,59
